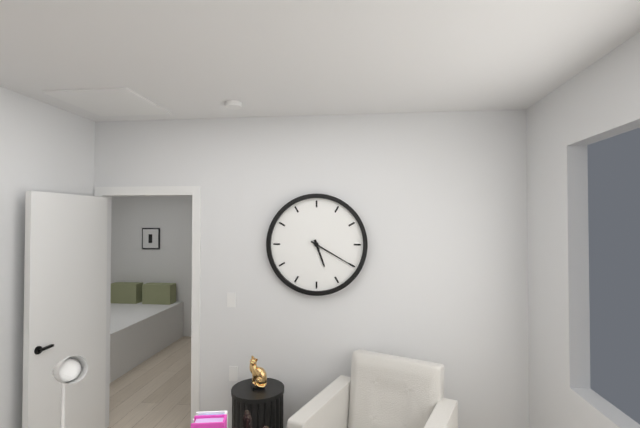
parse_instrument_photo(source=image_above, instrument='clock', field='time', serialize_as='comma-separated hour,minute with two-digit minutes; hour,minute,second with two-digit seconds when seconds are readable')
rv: 5,20
